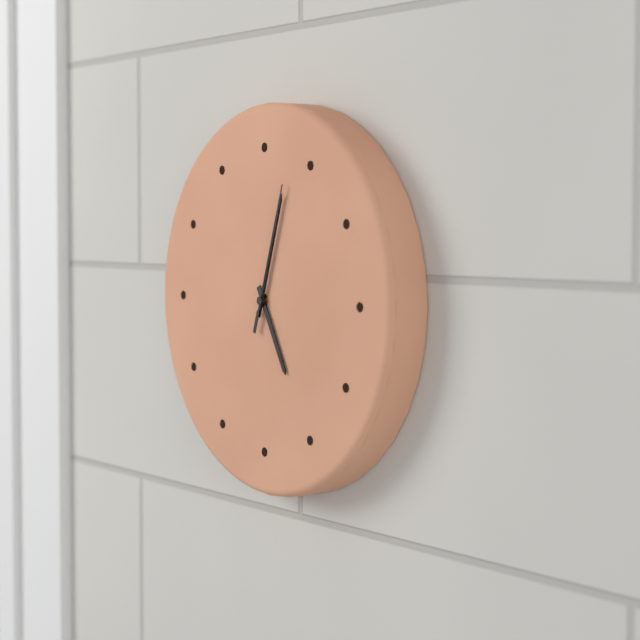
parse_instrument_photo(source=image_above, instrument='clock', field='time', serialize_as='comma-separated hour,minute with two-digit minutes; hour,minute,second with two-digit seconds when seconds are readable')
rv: 5,03,03
